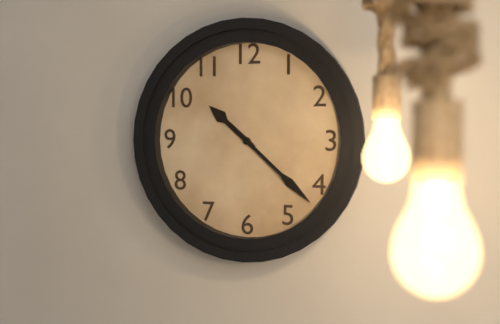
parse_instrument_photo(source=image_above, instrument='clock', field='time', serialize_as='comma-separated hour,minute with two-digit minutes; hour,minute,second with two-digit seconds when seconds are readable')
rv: 10,22
